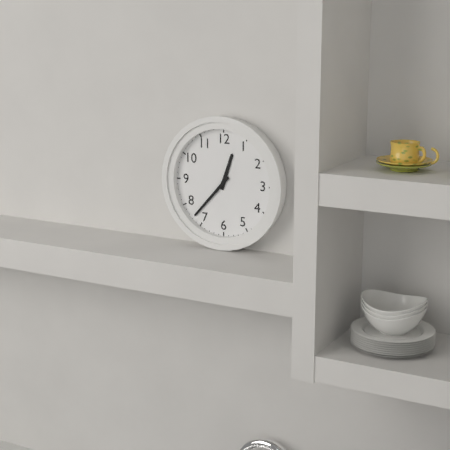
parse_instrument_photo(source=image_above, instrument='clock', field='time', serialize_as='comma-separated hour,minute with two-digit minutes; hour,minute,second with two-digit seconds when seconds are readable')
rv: 12,37
